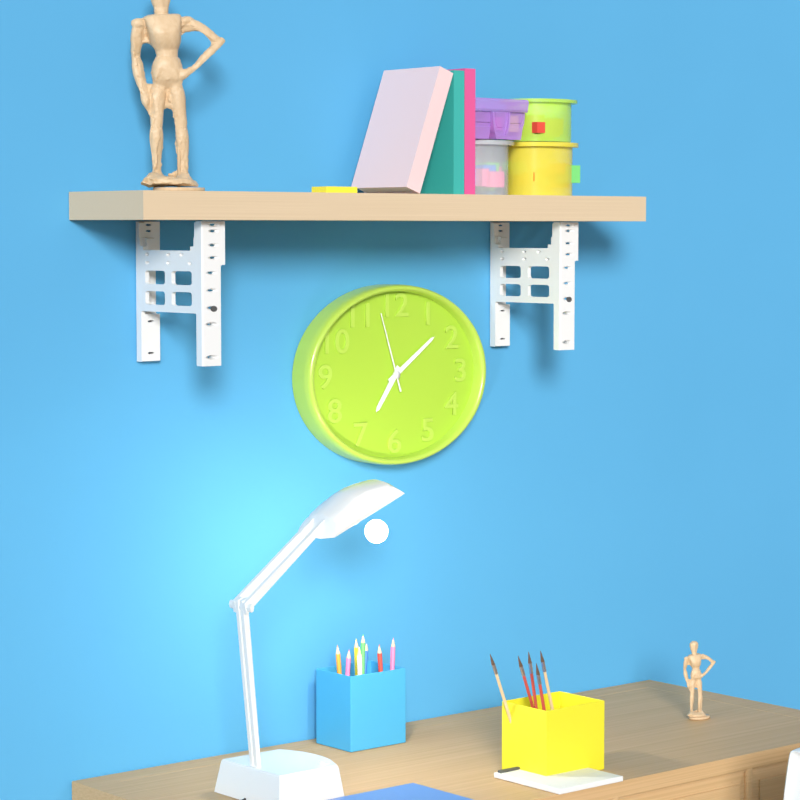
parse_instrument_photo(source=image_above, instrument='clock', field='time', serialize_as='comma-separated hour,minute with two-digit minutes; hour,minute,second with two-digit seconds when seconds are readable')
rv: 7,09,57
